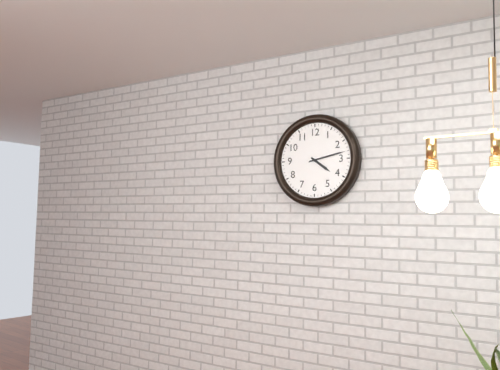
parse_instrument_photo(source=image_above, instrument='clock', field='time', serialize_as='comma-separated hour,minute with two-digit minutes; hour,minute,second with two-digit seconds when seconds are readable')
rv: 4,13
